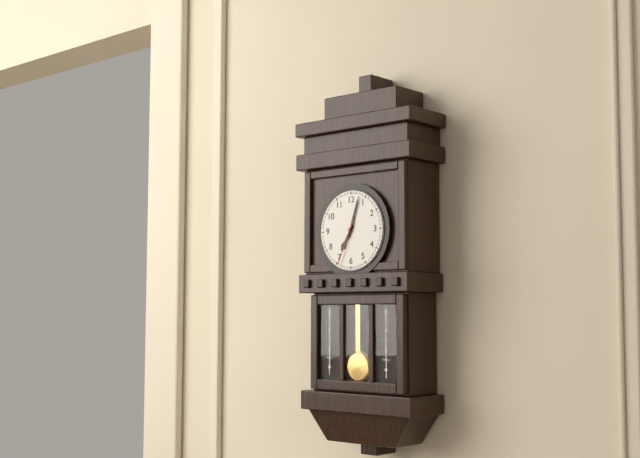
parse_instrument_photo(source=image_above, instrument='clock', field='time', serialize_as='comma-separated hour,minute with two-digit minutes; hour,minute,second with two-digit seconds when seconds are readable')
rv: 7,03
